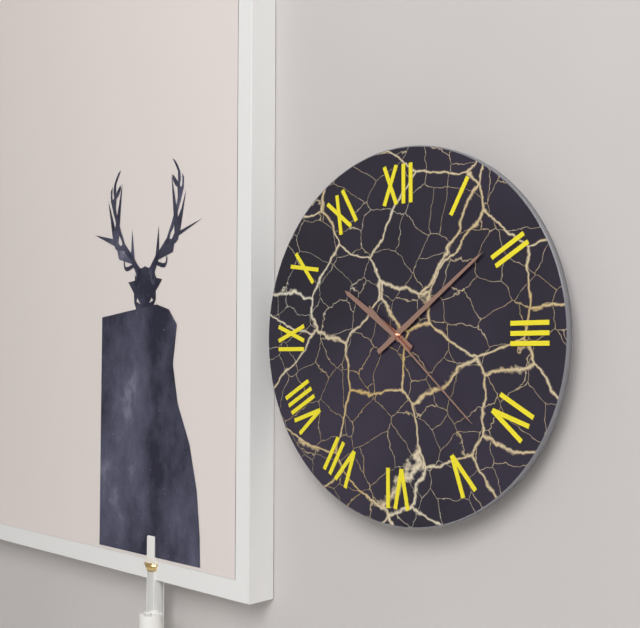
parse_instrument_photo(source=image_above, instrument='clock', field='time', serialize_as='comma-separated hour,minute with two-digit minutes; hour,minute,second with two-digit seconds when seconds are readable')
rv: 10,09,22
